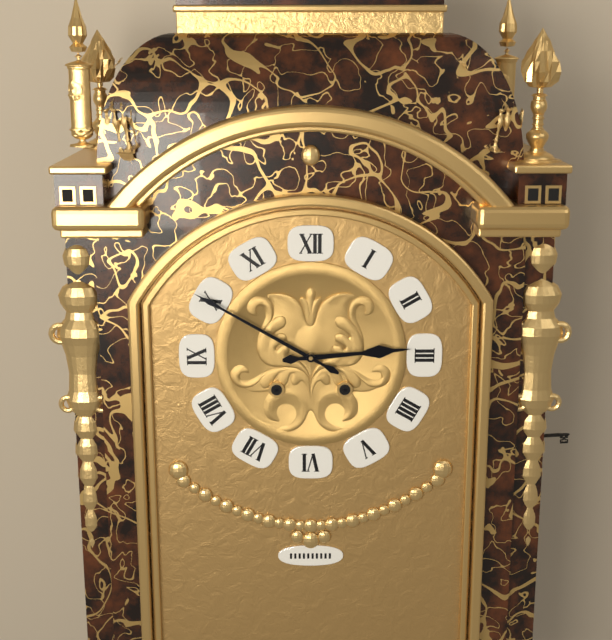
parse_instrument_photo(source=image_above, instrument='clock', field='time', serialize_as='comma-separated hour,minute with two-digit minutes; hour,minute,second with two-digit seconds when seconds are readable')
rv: 2,50
